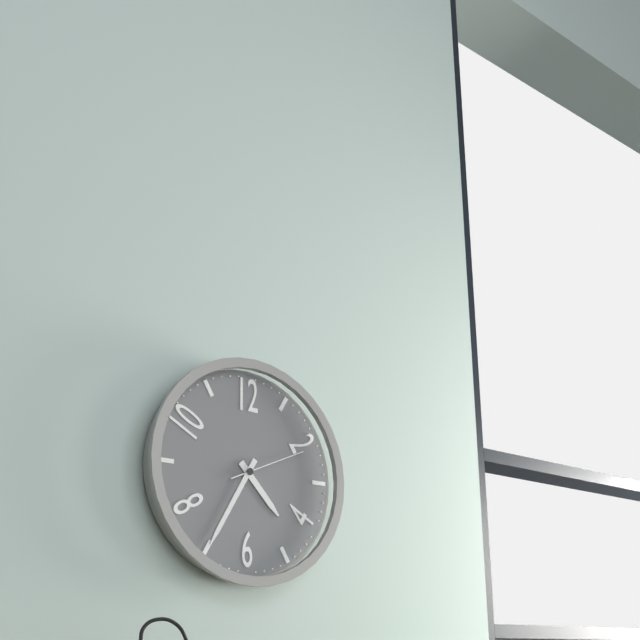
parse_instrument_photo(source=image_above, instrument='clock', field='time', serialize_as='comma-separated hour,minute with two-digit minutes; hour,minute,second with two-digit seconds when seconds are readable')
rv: 4,35,11
